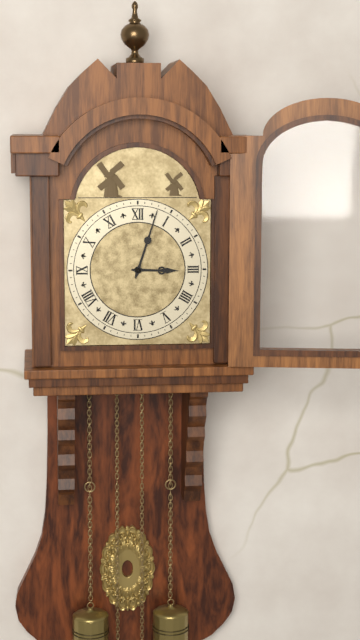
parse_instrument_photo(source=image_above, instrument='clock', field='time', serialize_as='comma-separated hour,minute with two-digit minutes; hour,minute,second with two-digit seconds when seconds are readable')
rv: 3,03
